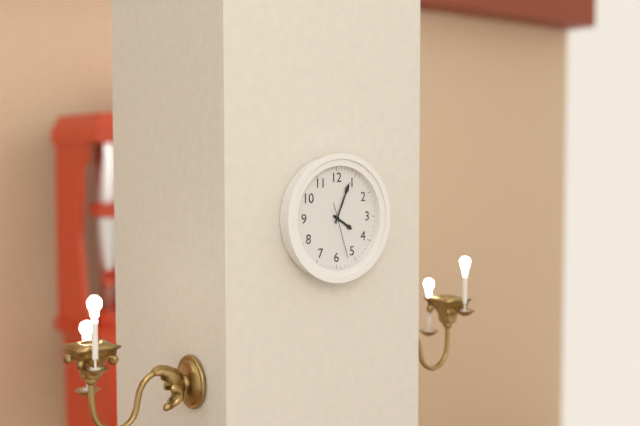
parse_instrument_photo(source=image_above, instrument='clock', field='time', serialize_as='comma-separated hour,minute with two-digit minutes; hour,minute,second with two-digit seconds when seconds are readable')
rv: 4,04,27
